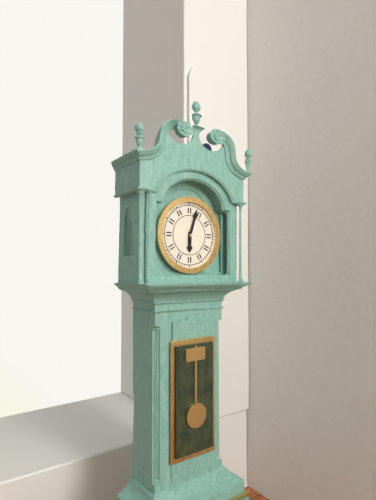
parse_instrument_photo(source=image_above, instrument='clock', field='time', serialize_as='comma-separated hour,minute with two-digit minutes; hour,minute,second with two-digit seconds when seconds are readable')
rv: 6,03
